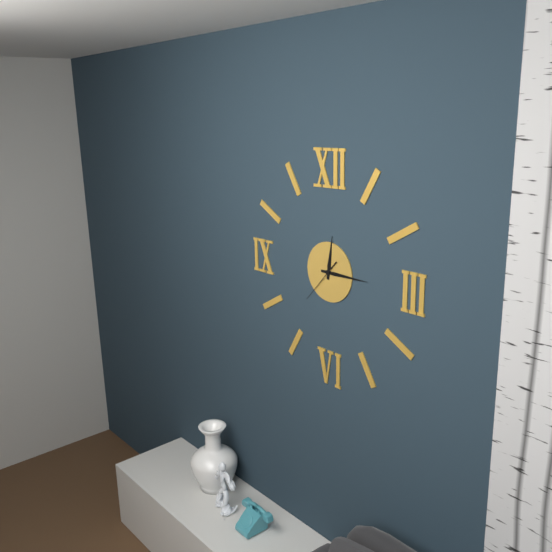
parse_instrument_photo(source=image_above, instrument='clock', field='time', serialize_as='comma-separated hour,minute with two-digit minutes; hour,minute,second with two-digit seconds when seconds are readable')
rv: 12,15
